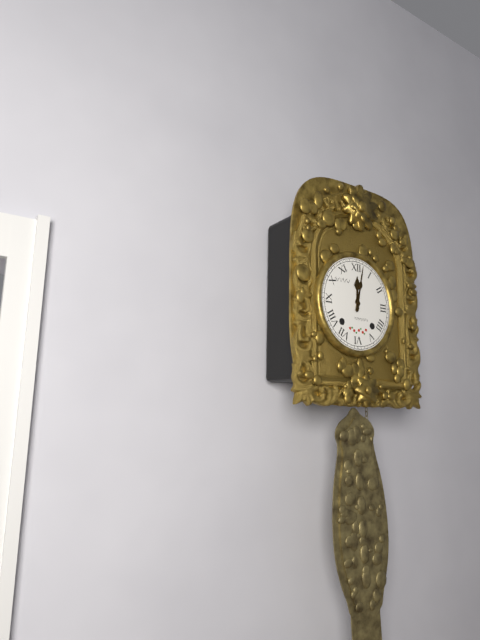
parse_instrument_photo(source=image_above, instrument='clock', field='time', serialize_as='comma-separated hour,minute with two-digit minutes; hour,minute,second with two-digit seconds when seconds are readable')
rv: 12,02
